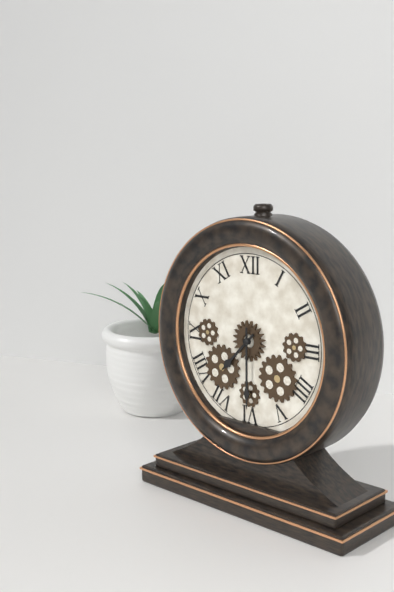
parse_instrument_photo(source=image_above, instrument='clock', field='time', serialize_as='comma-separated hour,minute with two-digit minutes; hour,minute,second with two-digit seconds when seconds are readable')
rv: 7,30
